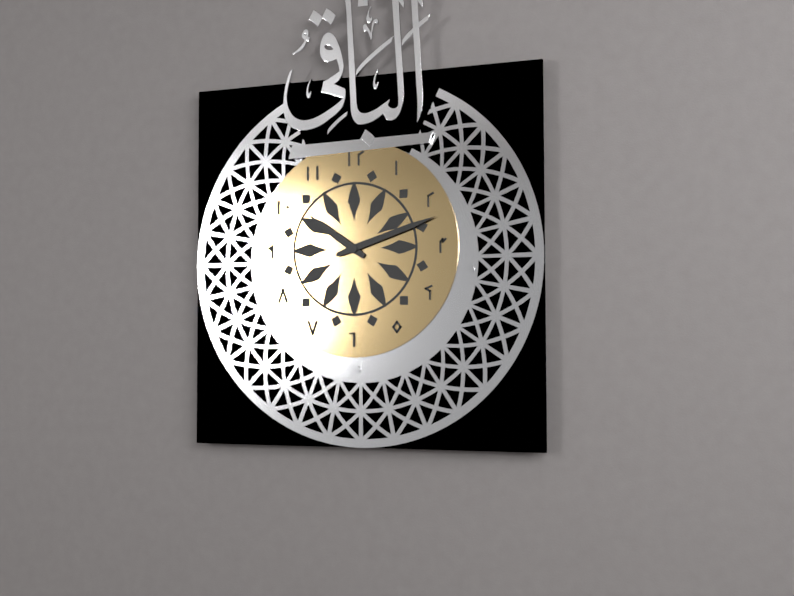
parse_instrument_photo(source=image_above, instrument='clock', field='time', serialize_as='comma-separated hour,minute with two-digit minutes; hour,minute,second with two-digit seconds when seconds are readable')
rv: 10,12
